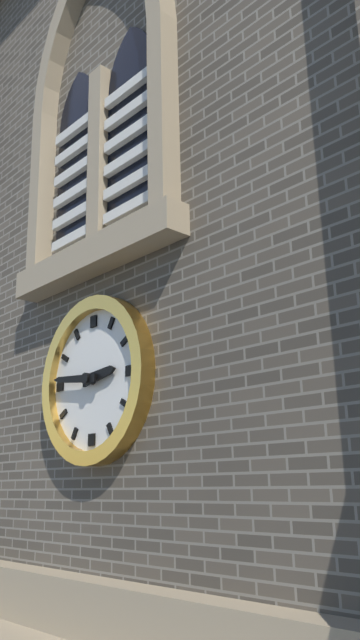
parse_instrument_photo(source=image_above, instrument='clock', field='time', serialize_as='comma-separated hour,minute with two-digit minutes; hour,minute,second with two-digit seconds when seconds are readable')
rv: 2,46
